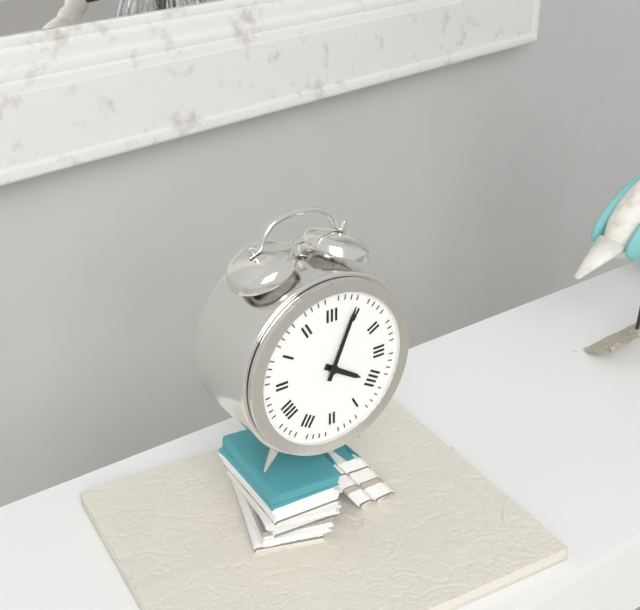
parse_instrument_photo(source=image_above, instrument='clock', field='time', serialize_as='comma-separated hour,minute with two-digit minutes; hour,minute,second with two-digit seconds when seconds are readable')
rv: 4,04
